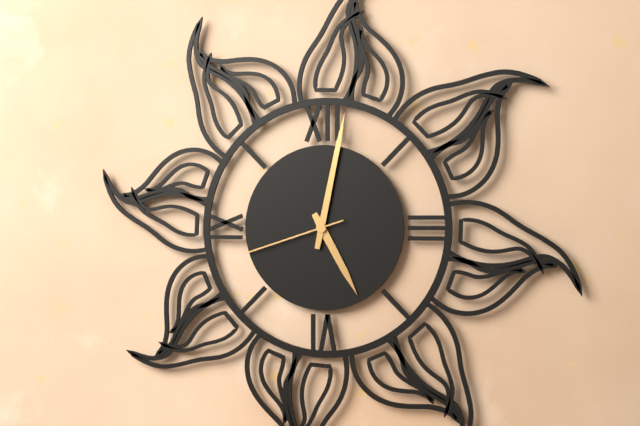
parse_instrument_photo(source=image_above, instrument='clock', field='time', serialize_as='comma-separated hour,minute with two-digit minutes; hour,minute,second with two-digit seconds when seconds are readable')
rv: 5,02,42
